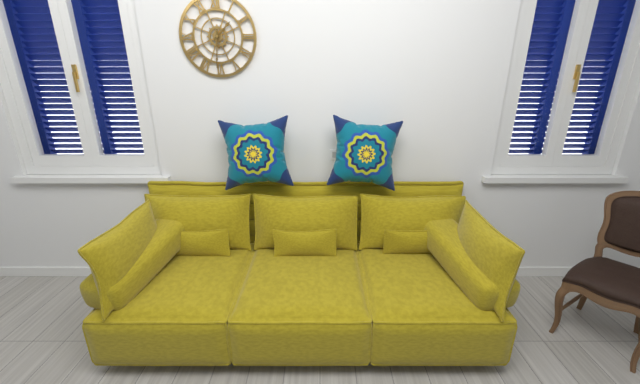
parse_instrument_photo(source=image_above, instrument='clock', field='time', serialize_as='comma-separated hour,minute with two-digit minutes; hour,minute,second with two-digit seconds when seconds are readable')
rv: 1,31
